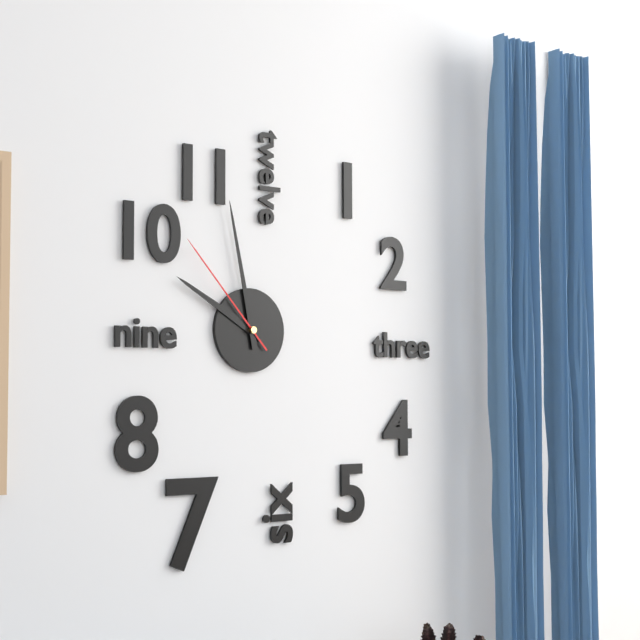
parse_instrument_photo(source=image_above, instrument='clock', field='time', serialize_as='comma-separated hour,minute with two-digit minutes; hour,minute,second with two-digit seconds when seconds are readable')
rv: 9,58,53
